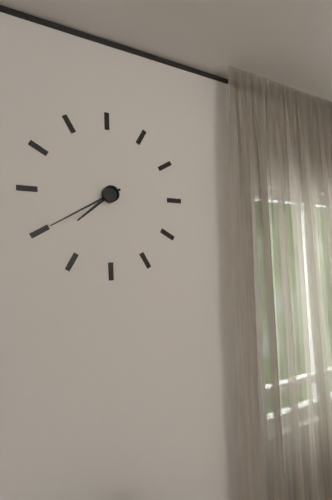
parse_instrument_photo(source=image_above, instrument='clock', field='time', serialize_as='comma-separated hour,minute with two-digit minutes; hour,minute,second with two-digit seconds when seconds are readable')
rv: 7,40
